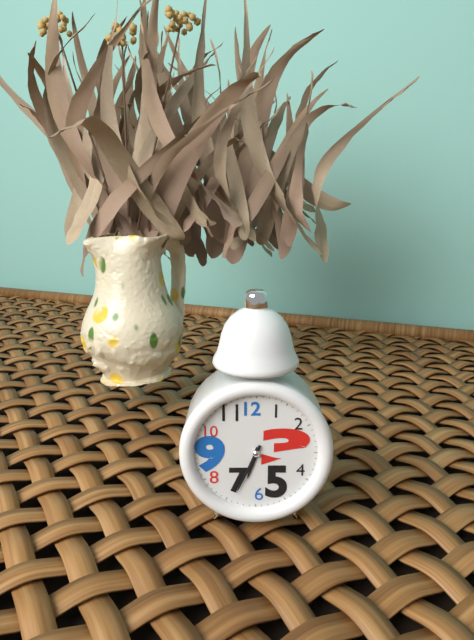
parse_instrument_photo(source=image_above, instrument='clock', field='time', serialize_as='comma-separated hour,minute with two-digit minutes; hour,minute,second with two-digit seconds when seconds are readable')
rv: 6,34
